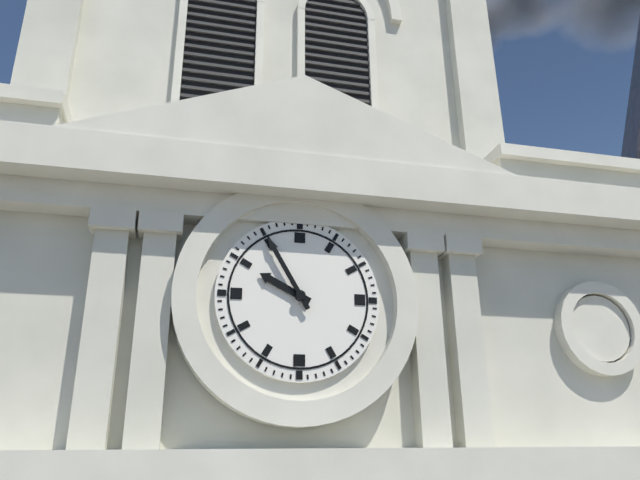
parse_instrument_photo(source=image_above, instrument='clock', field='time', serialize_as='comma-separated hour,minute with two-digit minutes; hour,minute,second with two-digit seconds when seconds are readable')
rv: 9,55
